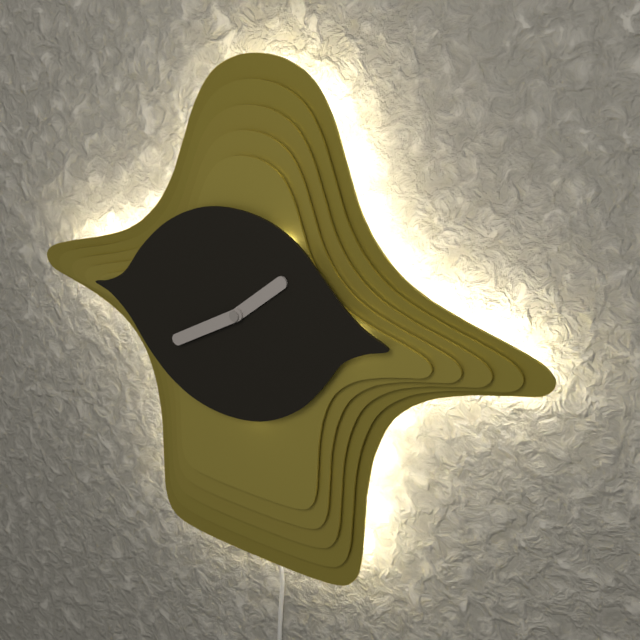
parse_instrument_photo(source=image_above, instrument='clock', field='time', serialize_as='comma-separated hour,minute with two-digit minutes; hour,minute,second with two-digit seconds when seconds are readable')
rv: 1,40
